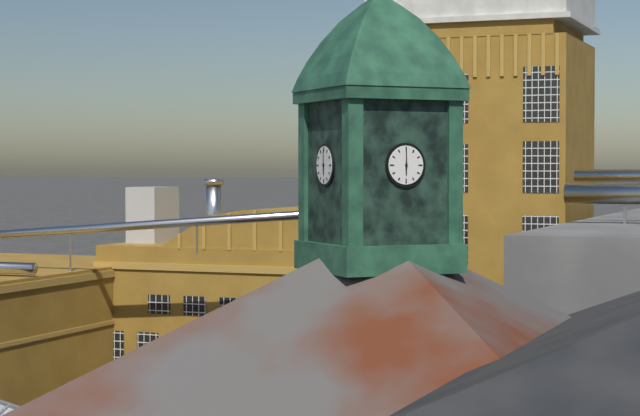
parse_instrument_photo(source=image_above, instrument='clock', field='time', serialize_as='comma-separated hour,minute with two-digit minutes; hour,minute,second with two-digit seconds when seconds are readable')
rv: 6,00
